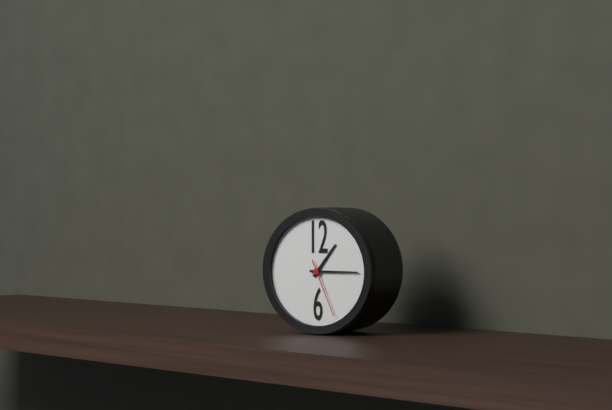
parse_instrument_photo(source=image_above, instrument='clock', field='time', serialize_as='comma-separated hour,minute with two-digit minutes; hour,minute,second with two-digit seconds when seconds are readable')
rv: 1,15,26
